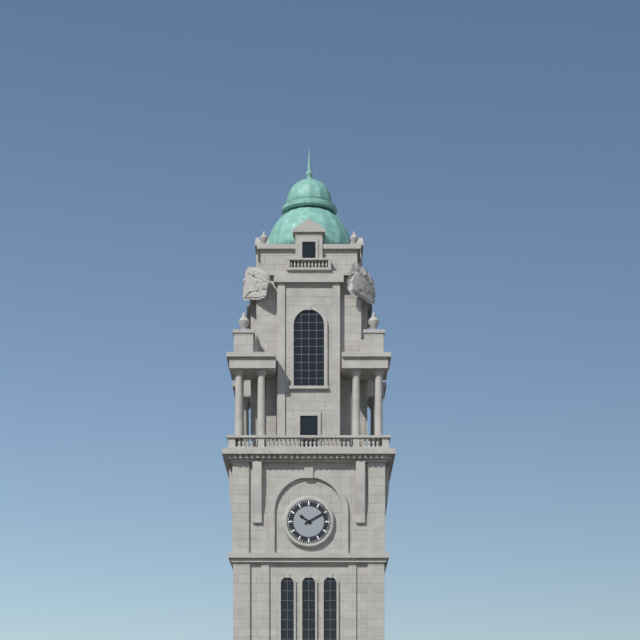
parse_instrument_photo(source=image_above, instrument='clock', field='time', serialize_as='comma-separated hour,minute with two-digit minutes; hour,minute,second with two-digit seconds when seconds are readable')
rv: 10,10
